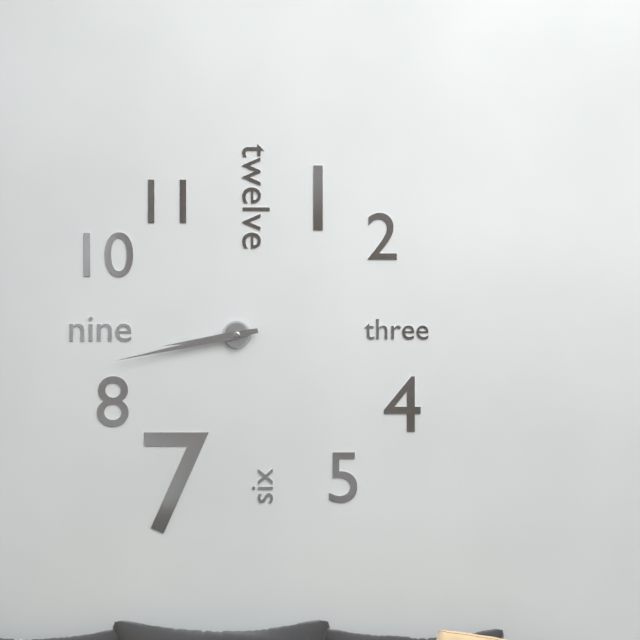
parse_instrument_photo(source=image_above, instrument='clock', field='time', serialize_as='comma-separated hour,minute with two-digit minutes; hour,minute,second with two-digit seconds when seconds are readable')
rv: 8,43
